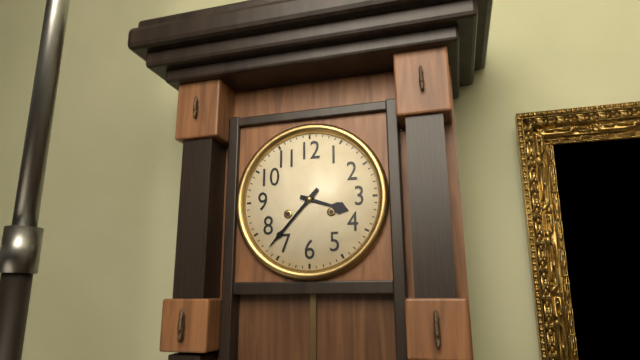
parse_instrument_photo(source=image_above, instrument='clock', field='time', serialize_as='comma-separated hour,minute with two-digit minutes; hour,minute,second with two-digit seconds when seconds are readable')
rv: 3,37
